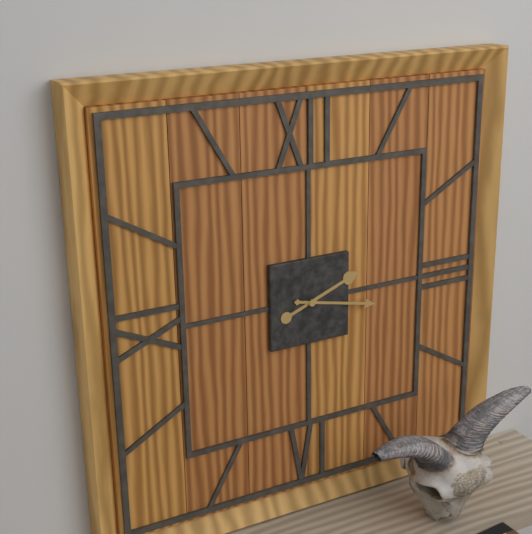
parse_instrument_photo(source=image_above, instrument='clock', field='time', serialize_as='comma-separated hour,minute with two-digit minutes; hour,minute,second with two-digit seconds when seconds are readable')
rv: 2,17
